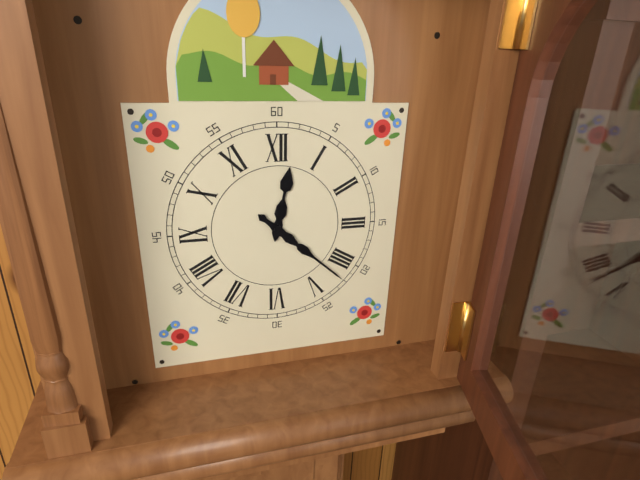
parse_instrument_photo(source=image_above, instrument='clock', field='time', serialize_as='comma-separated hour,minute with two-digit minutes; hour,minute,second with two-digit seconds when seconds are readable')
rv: 12,22
